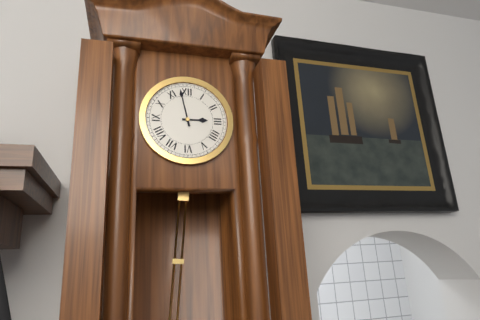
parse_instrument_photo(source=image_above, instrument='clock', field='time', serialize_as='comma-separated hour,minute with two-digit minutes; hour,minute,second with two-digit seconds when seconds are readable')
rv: 2,58
